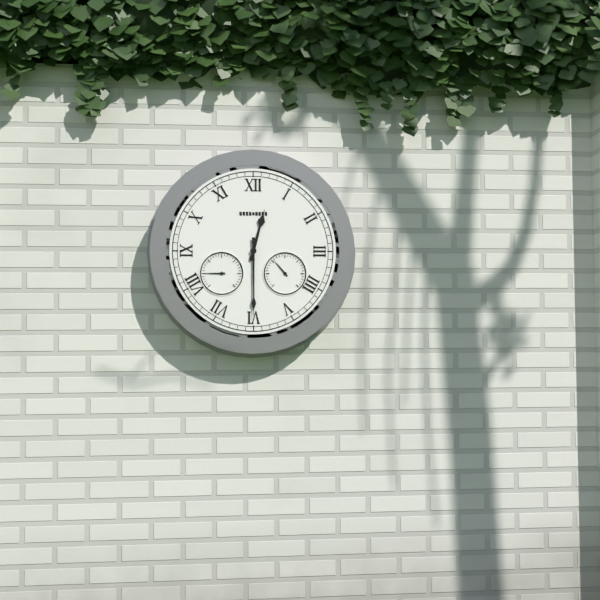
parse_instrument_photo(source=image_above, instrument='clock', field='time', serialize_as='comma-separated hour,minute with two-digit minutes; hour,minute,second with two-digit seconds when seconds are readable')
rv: 12,30
